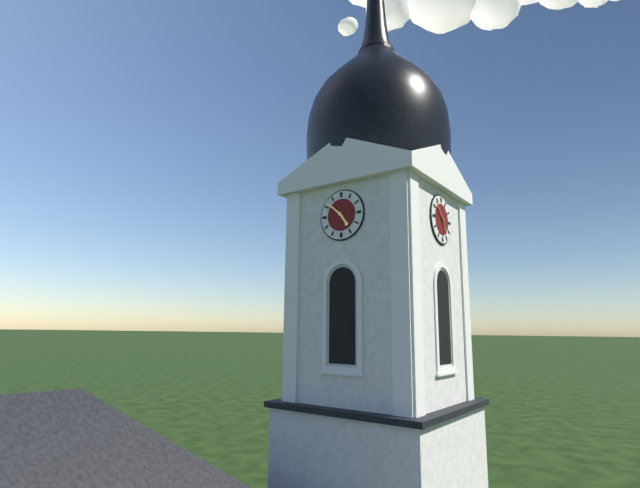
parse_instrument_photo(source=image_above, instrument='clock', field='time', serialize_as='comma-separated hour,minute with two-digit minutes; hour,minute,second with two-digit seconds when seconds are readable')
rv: 4,52
